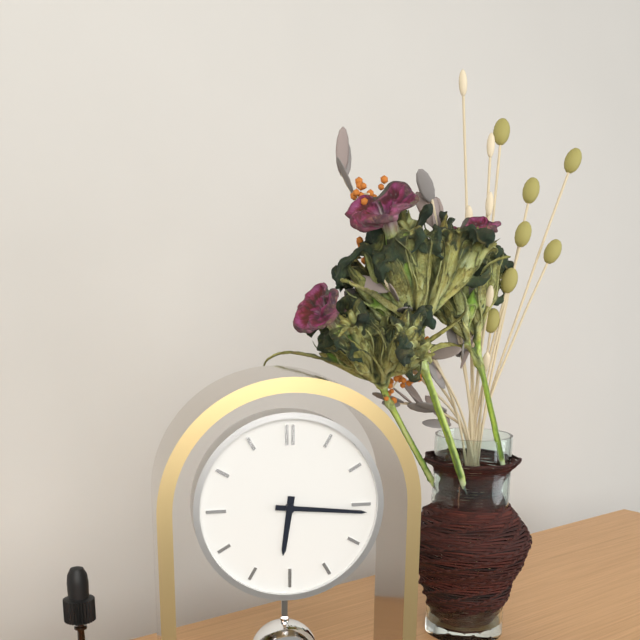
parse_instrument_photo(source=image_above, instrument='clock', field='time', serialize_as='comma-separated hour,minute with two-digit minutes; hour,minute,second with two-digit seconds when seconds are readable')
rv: 6,16
